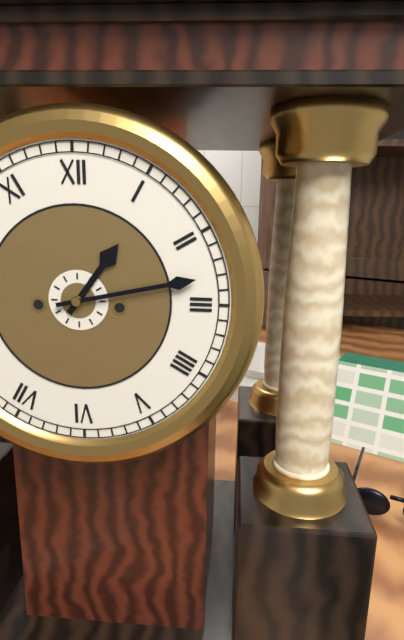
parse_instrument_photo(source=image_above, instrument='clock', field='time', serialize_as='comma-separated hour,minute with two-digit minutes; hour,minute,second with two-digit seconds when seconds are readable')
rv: 1,13
